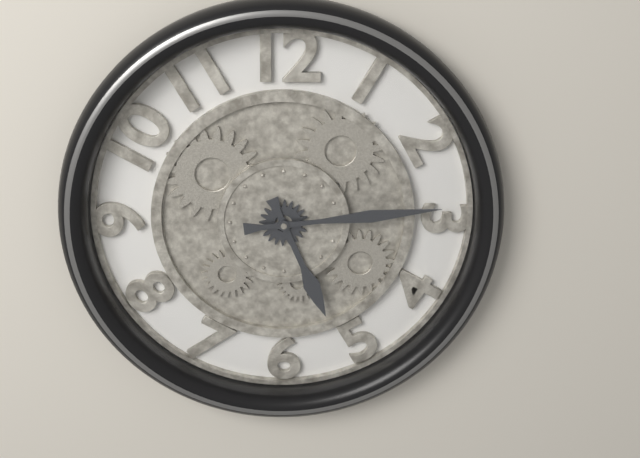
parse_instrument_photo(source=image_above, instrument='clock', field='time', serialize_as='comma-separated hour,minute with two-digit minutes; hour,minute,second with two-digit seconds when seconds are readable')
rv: 5,14
